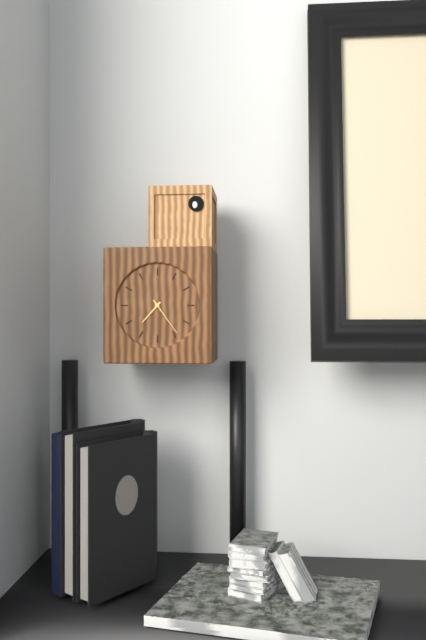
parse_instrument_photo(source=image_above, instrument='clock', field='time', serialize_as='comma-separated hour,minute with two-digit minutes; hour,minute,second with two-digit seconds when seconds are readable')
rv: 7,24
